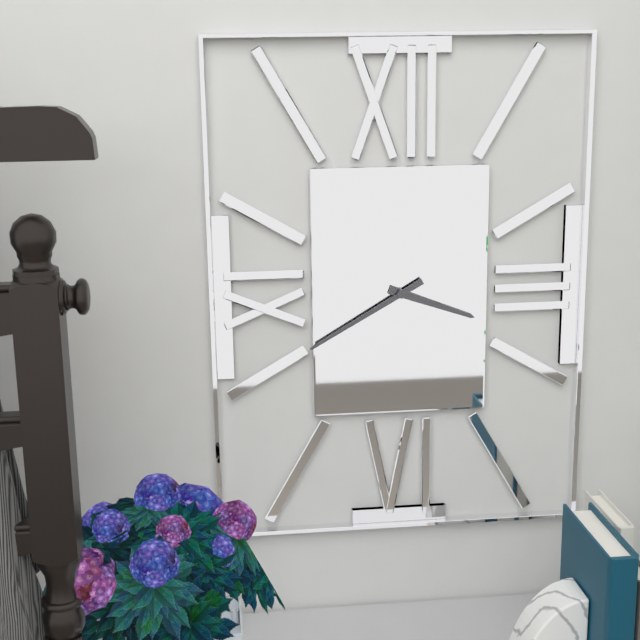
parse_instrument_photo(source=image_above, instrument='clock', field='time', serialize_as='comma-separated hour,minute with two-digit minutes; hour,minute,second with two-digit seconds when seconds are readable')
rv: 3,40
